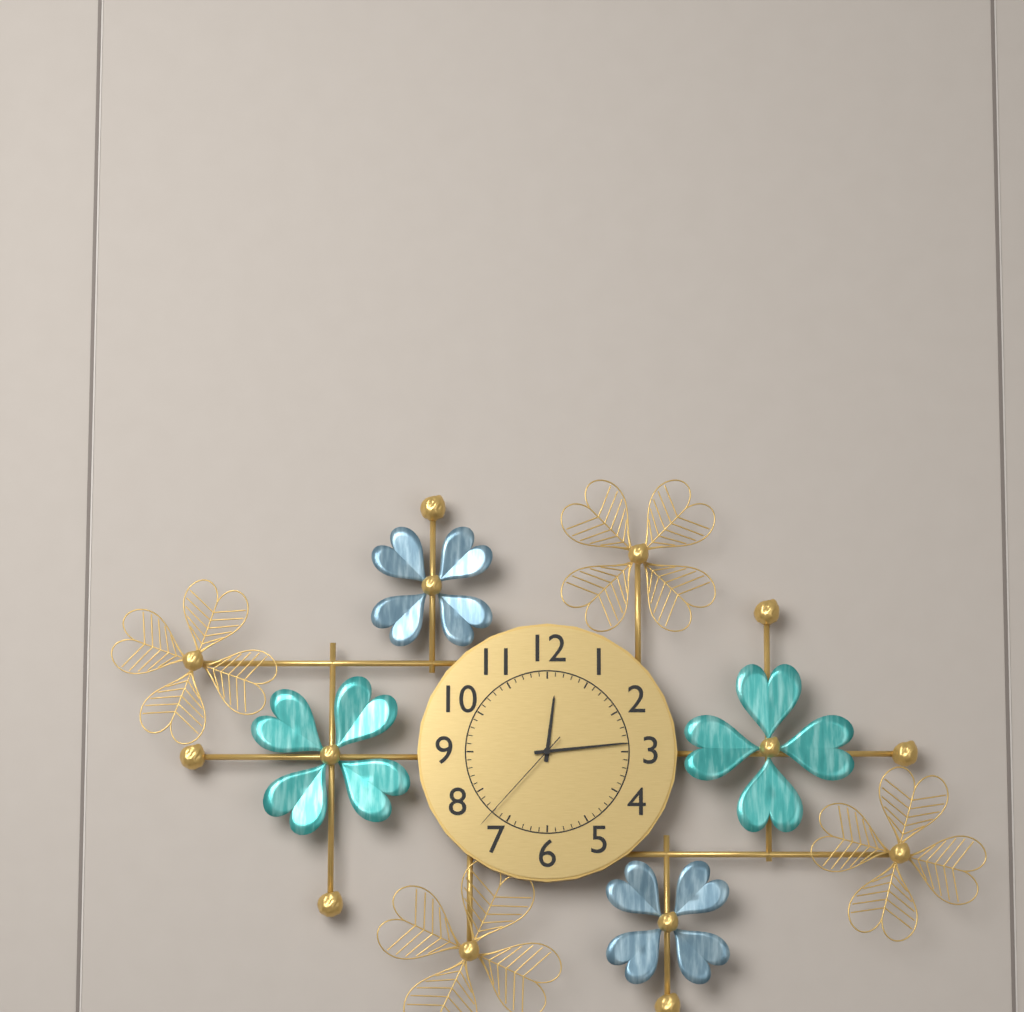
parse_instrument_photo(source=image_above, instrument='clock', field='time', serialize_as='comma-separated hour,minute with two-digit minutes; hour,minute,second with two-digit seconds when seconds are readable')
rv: 12,14,37
